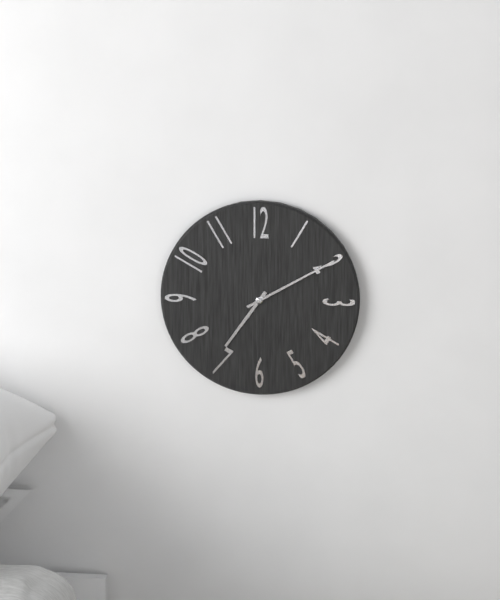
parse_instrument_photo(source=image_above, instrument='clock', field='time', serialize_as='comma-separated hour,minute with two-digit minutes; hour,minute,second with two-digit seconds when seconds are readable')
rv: 7,10
